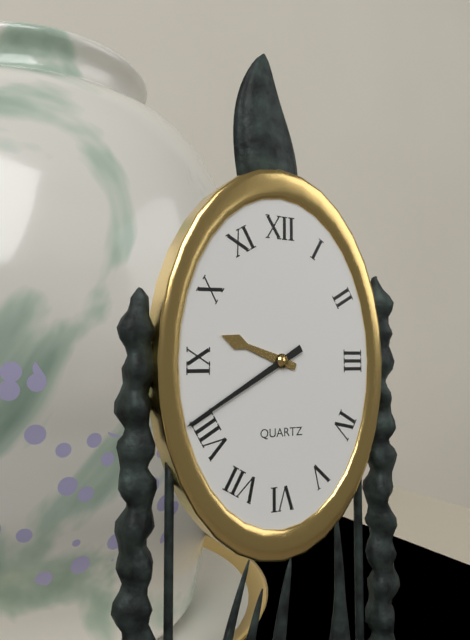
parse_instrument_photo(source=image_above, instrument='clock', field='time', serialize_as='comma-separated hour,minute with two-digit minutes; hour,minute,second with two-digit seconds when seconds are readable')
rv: 9,40
